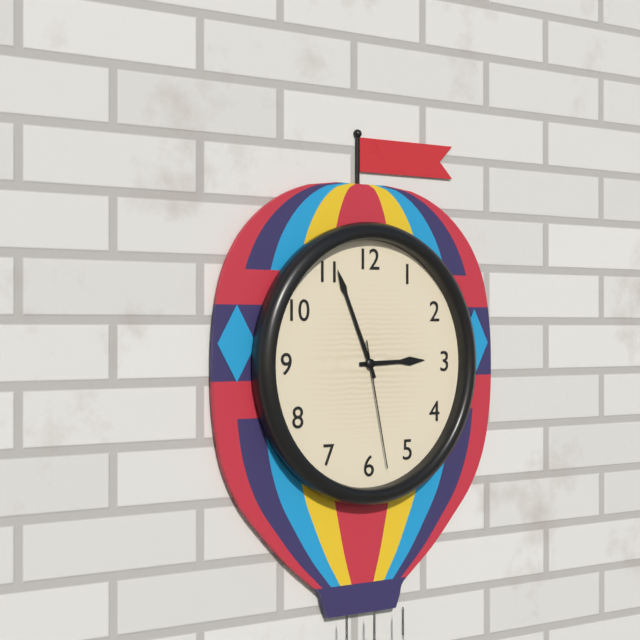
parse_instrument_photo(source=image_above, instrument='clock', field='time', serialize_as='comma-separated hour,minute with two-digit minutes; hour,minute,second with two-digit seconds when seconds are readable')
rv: 2,56,28
